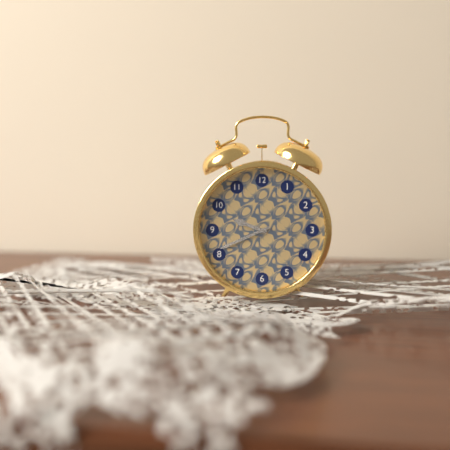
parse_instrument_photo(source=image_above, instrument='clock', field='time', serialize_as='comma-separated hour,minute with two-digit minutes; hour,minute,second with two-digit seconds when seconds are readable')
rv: 9,41
